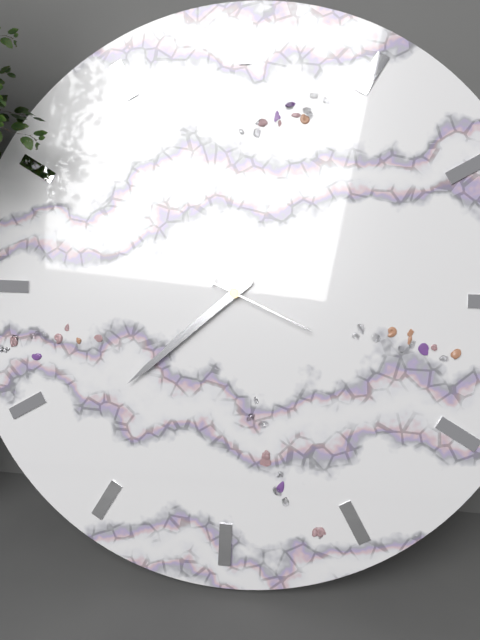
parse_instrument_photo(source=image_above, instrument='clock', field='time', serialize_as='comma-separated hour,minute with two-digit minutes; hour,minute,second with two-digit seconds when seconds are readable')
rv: 7,38,19
